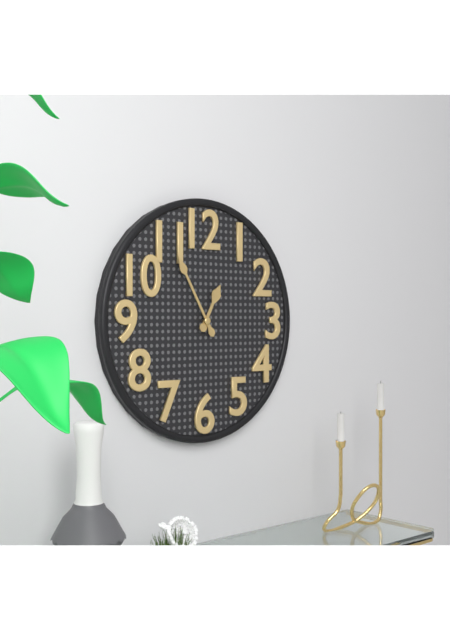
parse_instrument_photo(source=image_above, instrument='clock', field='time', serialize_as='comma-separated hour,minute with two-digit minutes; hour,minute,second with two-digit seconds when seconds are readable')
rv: 12,55
